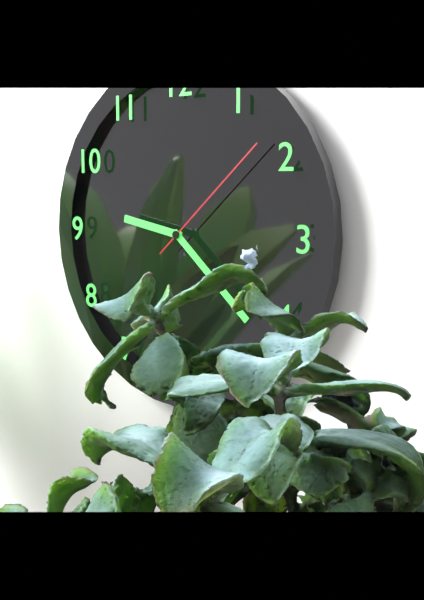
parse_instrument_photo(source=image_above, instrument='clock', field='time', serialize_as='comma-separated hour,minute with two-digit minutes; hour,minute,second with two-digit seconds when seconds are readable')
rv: 9,22,08
